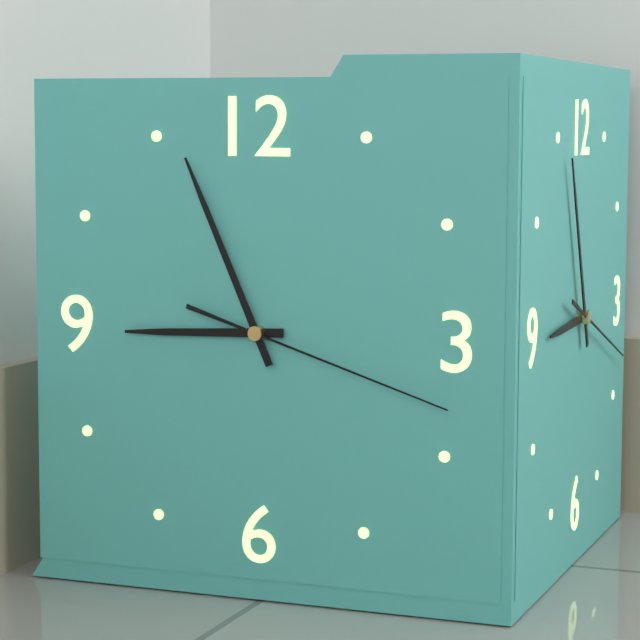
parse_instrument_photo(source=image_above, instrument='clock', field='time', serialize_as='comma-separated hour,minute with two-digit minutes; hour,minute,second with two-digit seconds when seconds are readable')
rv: 8,56,18
